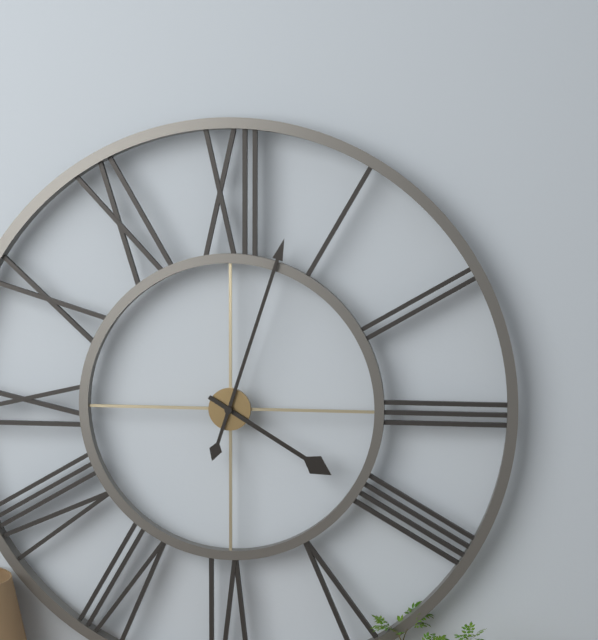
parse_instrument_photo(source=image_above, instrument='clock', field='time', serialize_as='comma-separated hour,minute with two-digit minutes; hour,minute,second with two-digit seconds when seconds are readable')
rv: 4,03
